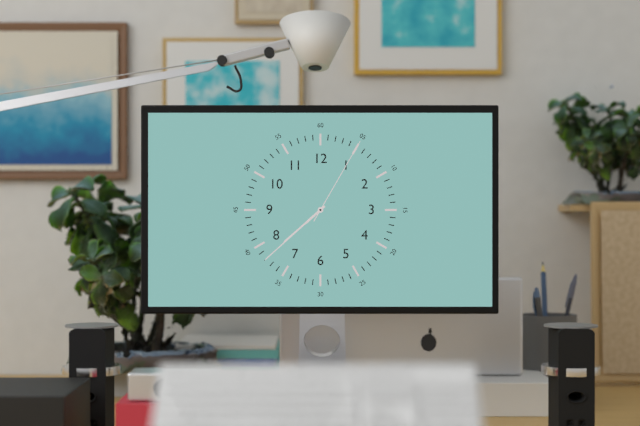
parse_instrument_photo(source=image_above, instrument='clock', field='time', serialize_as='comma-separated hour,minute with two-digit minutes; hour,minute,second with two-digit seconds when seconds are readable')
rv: 7,38,05
